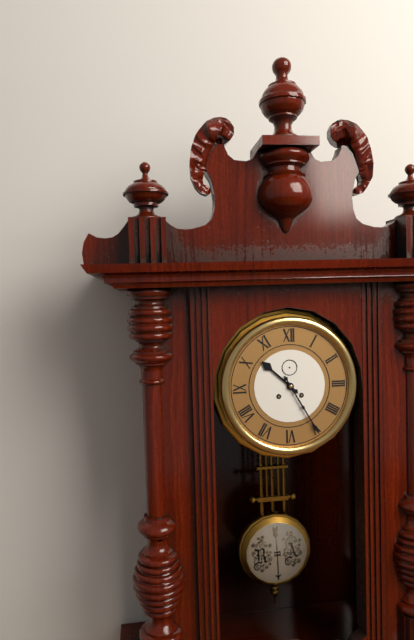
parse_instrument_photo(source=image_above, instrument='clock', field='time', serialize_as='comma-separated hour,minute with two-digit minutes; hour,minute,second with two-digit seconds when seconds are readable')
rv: 10,25
